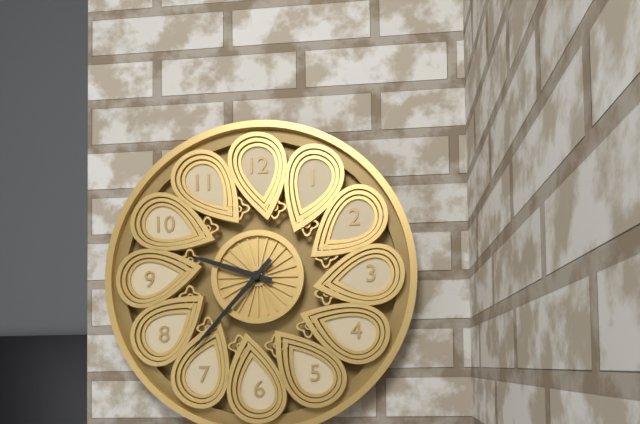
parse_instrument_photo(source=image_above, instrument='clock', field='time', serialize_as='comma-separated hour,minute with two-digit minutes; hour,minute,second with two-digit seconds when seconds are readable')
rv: 9,37
